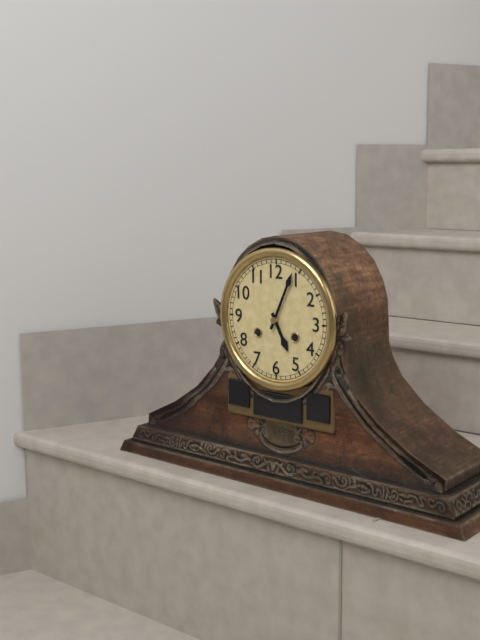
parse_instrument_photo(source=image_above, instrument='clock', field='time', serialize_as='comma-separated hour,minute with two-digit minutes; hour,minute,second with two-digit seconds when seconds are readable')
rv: 5,04
